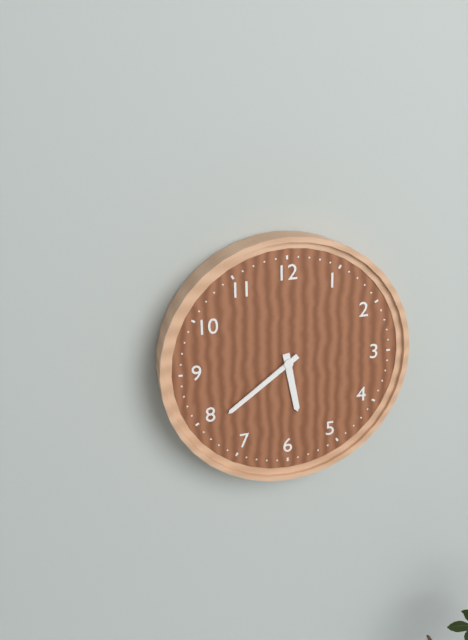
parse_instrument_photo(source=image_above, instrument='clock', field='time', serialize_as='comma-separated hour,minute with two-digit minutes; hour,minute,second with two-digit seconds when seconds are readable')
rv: 5,39
